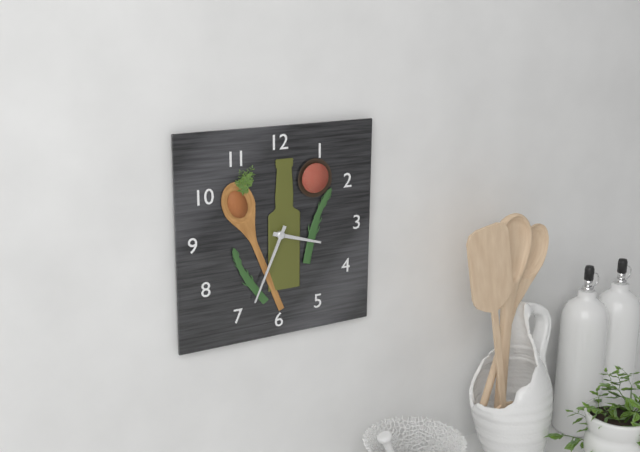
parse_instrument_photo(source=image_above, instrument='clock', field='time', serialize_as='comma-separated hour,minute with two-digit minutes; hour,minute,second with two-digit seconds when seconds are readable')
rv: 3,34
